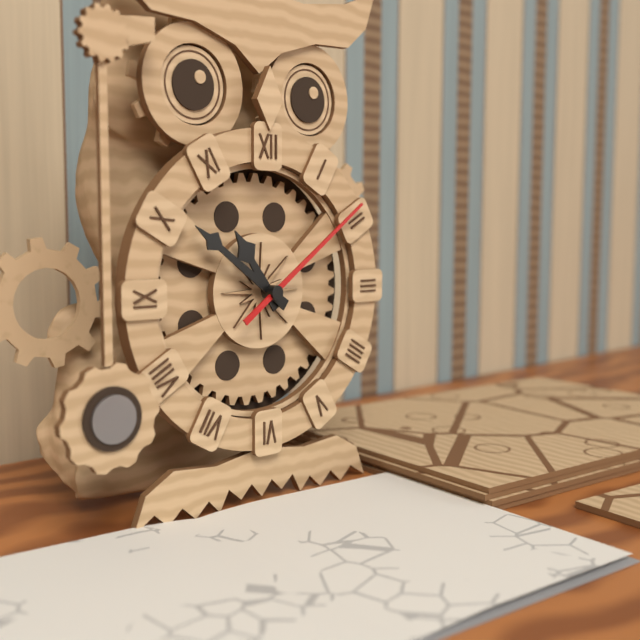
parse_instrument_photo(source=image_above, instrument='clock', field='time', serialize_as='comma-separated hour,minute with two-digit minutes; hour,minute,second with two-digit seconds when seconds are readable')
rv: 10,51,09
